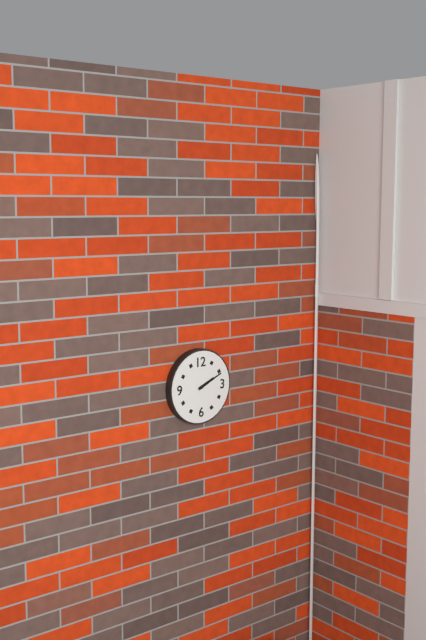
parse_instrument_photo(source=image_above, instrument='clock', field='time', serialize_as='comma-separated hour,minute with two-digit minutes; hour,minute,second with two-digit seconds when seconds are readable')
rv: 2,11
